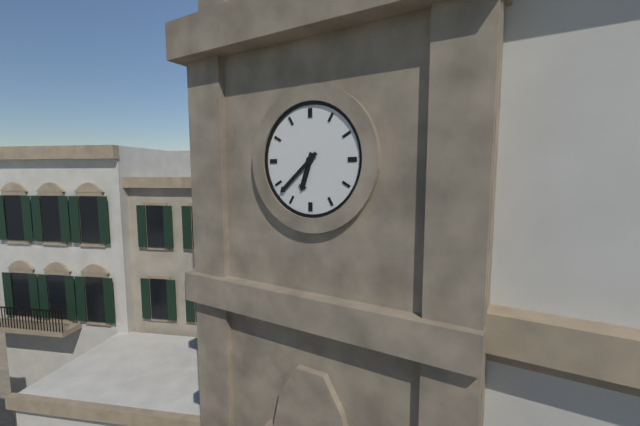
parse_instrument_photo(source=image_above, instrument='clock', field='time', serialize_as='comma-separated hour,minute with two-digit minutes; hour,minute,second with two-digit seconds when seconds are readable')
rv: 6,38
